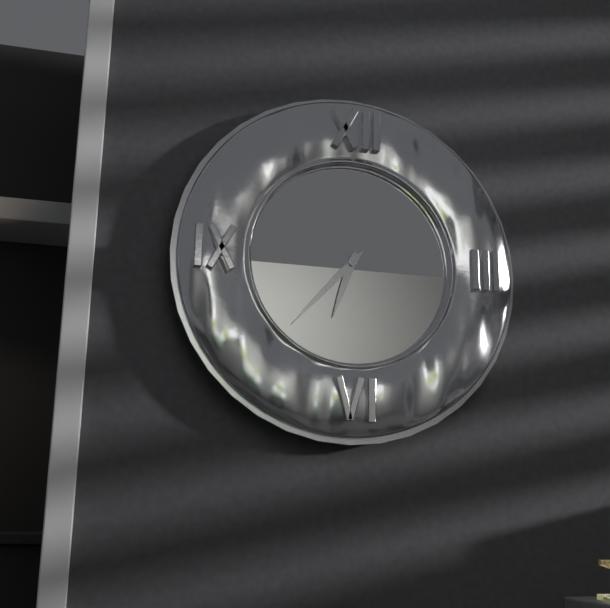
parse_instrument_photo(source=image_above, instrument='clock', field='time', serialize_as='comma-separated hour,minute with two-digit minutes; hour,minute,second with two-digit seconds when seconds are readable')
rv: 6,37
